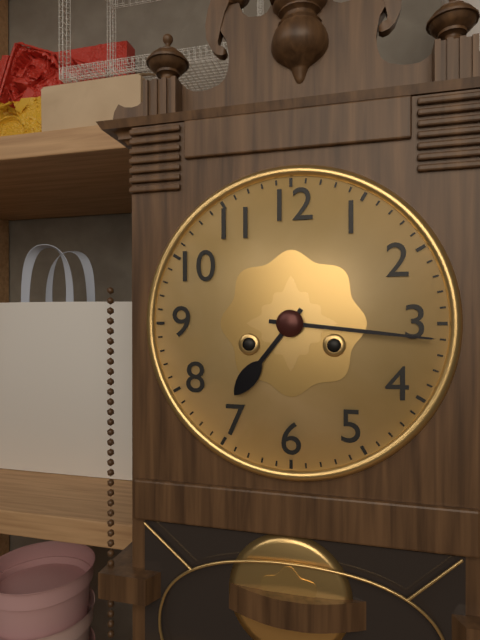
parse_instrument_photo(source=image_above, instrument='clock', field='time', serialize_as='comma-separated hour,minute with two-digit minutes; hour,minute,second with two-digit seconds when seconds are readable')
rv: 7,16
